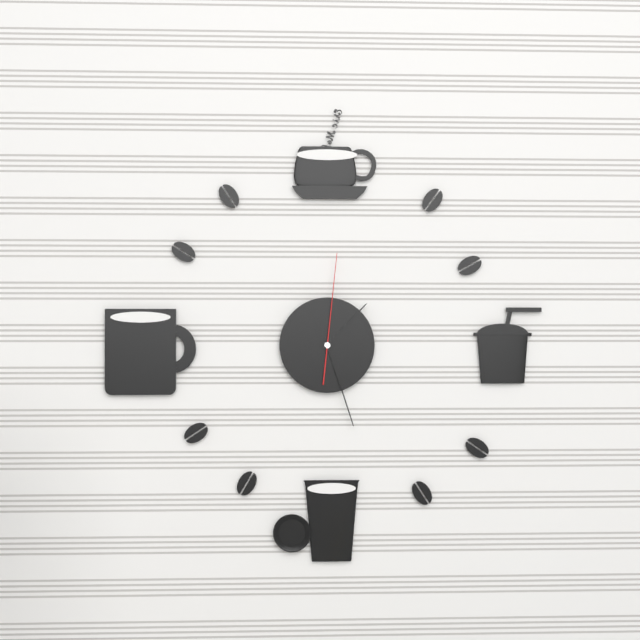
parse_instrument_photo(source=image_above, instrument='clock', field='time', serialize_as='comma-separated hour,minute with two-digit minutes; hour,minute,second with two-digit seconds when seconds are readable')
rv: 1,27,01
